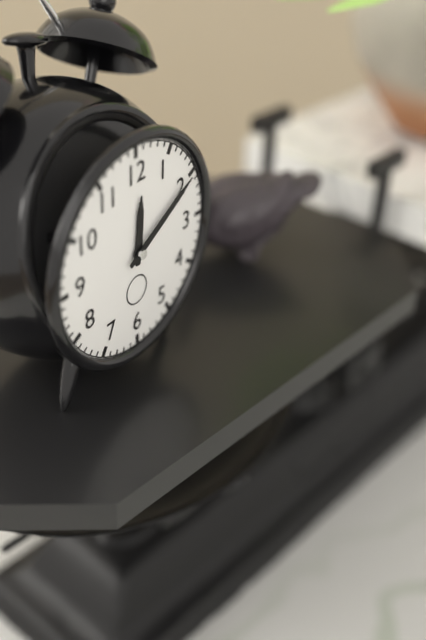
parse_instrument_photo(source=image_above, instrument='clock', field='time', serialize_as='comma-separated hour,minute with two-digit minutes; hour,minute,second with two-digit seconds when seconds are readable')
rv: 12,10
